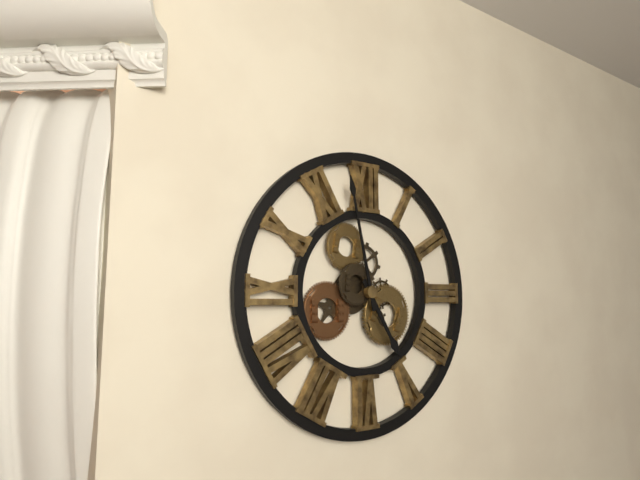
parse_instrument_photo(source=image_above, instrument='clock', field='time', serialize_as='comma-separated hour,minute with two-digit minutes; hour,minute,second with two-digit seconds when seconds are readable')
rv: 4,58
